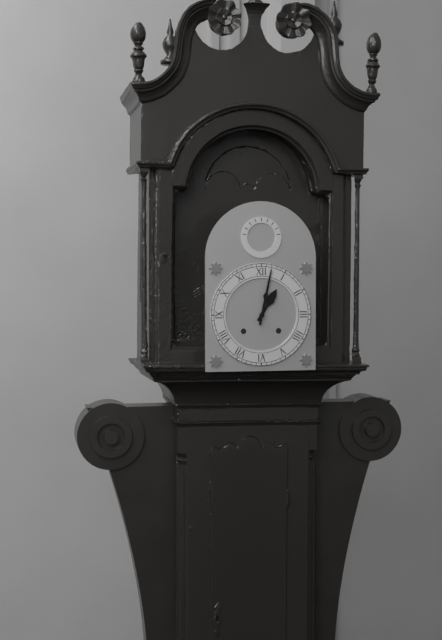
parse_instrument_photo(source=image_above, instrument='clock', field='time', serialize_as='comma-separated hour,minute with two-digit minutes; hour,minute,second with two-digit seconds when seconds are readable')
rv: 1,02
